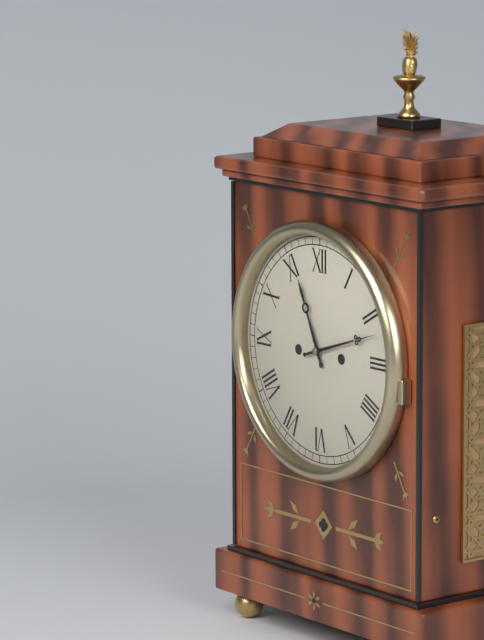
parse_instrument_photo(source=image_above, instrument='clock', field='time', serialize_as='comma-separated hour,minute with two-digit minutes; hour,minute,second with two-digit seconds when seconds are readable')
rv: 11,12
